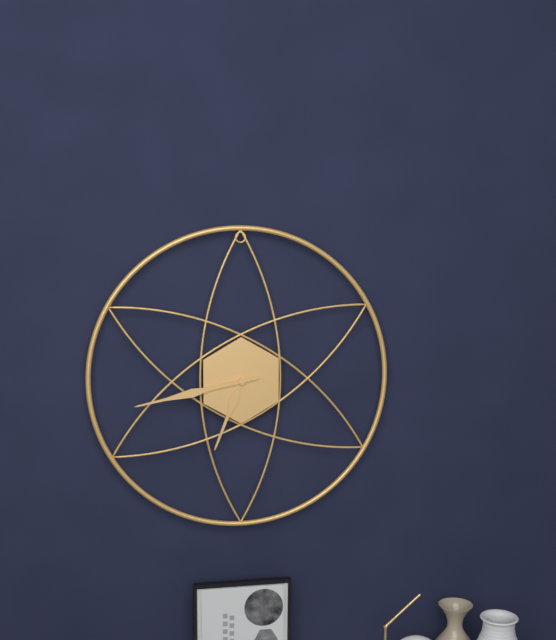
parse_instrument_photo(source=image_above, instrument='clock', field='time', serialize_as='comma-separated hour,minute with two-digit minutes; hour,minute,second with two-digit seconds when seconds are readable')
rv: 6,43
